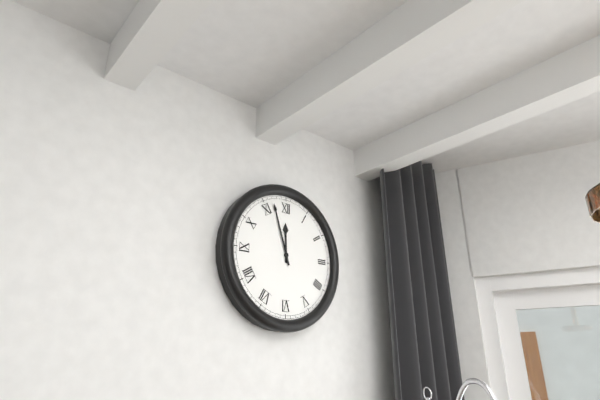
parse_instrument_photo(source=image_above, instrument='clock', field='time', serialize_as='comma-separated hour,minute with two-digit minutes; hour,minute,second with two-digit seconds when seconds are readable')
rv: 11,57
